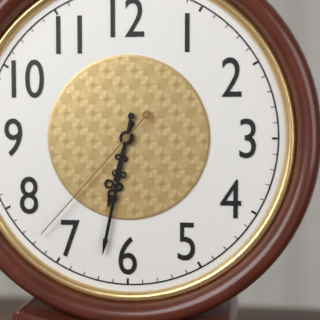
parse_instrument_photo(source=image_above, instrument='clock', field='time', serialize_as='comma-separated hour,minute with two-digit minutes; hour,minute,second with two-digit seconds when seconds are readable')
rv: 6,32,37
